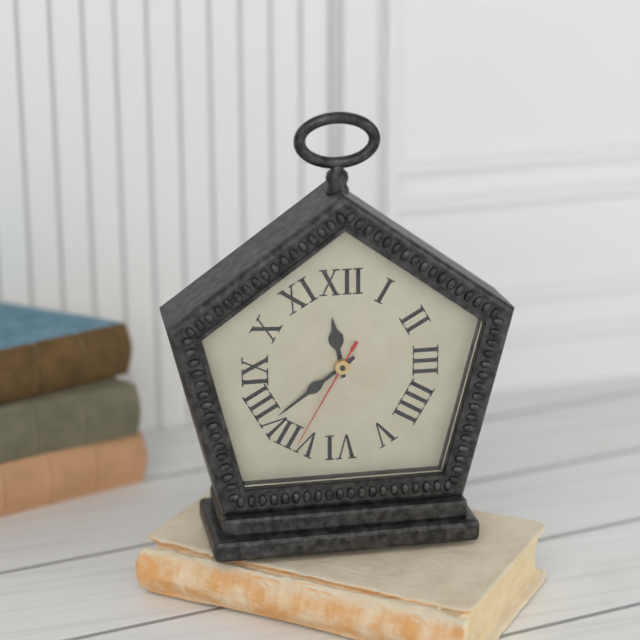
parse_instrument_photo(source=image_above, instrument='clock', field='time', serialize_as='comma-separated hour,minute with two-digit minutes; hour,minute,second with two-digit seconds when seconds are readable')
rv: 11,39,35
